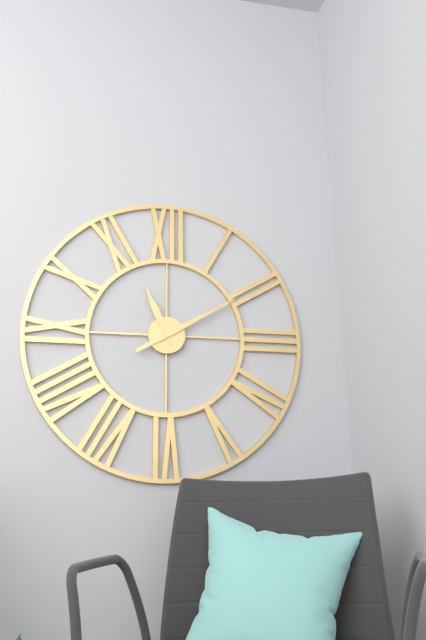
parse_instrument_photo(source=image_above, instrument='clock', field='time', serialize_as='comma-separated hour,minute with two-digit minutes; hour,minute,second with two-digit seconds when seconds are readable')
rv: 11,10
